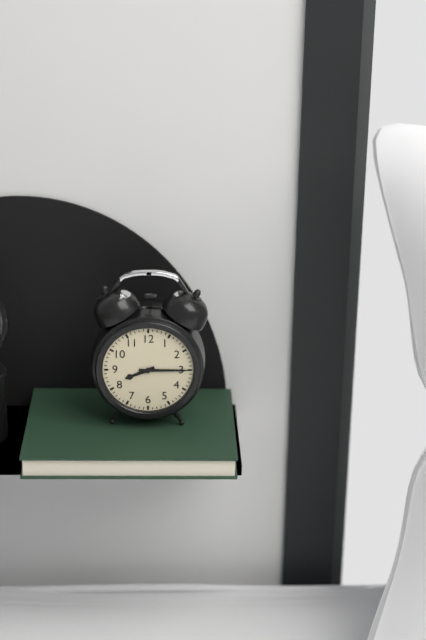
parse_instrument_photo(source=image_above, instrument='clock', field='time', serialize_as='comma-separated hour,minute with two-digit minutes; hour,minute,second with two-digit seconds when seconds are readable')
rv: 8,15
